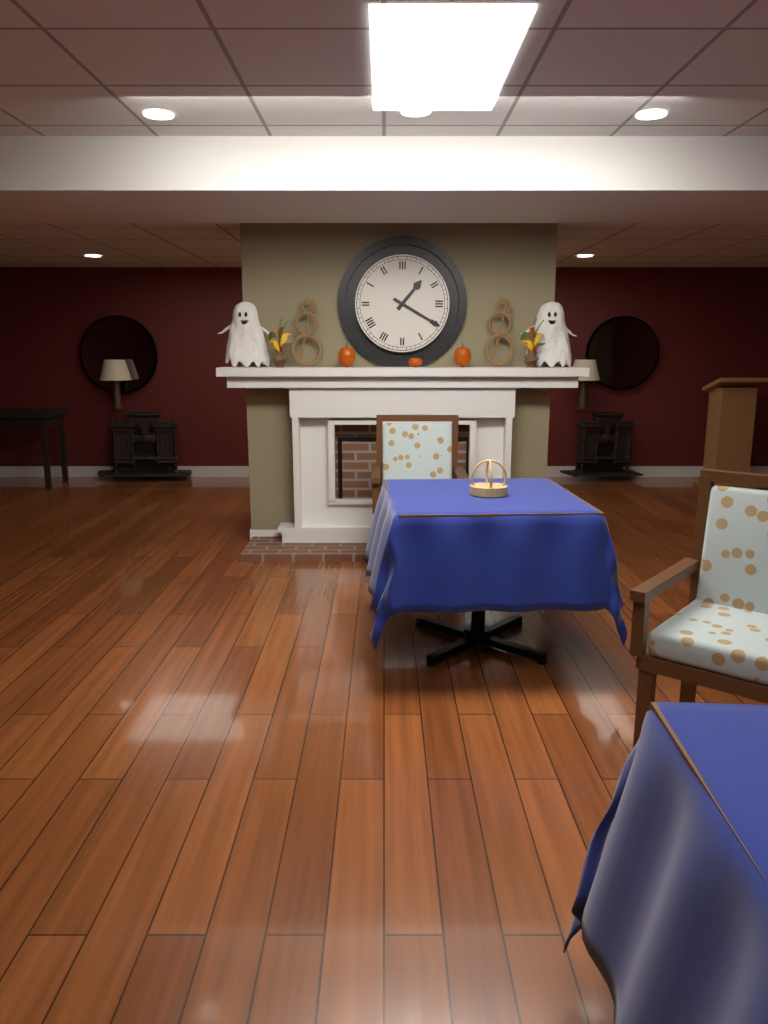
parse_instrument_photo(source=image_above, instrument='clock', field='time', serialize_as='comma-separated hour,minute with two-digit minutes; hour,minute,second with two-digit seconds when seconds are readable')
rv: 1,20
